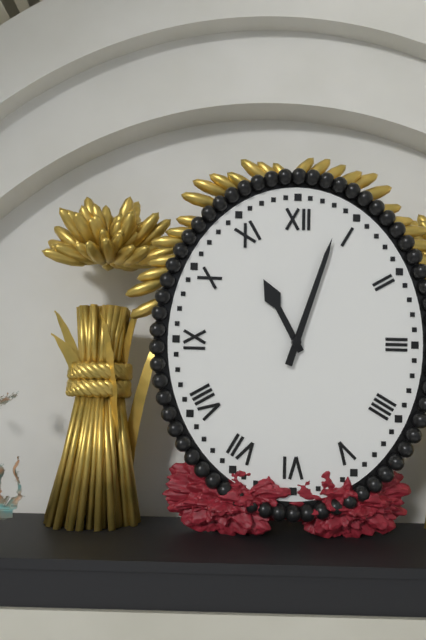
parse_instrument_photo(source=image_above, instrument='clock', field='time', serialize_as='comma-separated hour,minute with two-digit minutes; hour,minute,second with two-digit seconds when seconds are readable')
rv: 11,03
